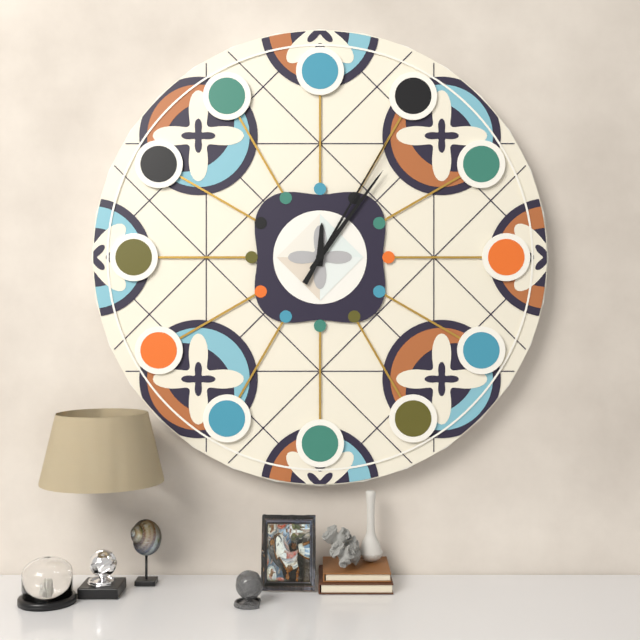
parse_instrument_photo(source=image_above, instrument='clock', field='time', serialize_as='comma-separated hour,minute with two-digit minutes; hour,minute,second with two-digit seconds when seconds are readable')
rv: 12,06,05
